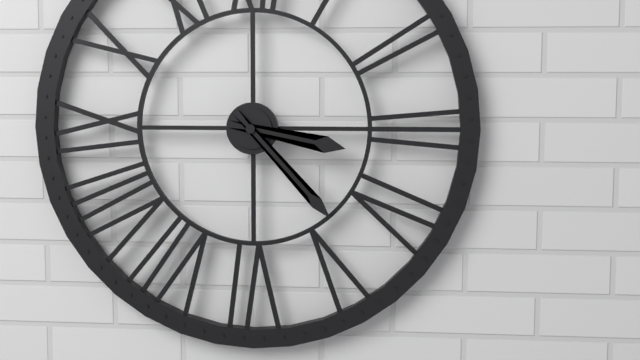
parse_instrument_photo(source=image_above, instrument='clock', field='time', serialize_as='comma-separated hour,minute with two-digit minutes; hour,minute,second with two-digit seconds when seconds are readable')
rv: 3,23
